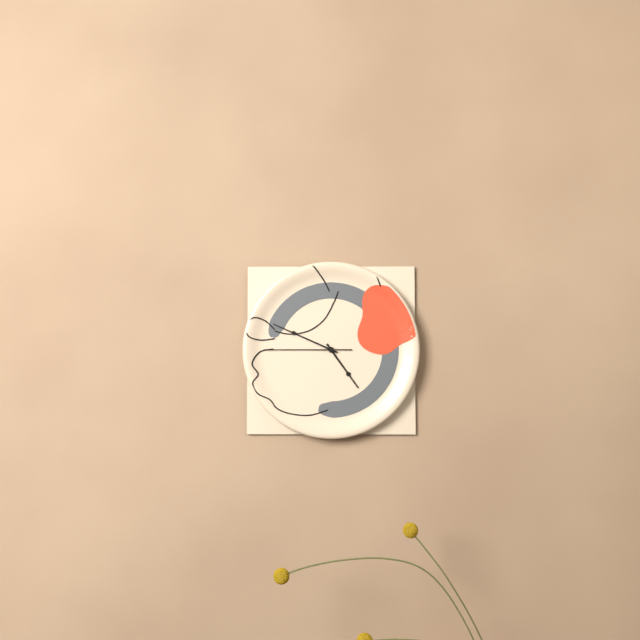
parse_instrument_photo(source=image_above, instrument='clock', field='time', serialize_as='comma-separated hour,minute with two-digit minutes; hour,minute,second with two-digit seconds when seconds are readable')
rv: 4,49,45
